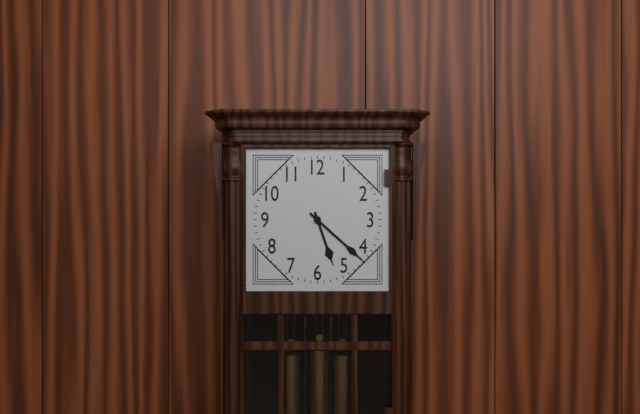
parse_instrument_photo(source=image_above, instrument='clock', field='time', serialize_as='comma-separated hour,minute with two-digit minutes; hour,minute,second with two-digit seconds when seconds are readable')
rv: 5,22
